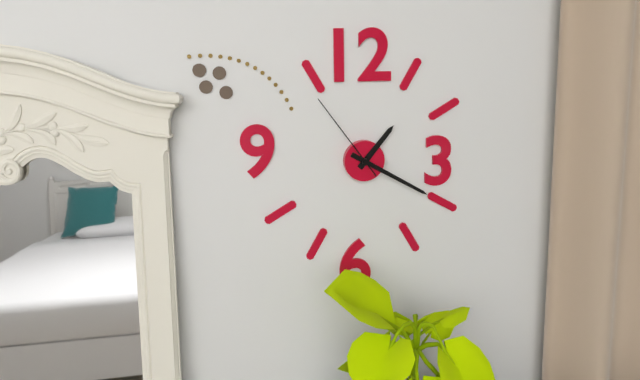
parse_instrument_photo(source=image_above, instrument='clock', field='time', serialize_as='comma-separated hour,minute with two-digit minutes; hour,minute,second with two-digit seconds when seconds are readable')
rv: 1,20,54
